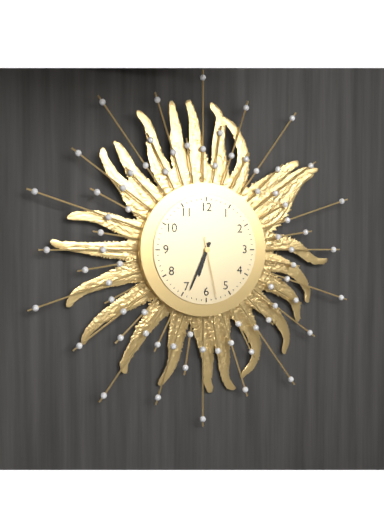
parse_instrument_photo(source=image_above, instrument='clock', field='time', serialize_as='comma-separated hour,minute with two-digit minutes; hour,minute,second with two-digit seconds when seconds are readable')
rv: 6,34,28
